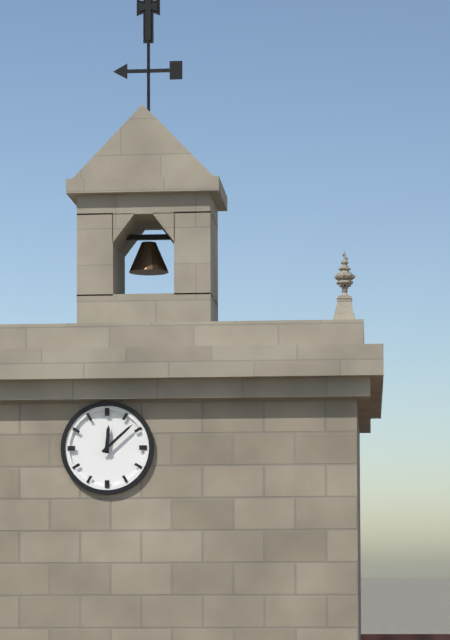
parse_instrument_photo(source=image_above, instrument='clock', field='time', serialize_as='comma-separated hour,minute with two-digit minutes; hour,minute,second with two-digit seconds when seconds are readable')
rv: 12,08
